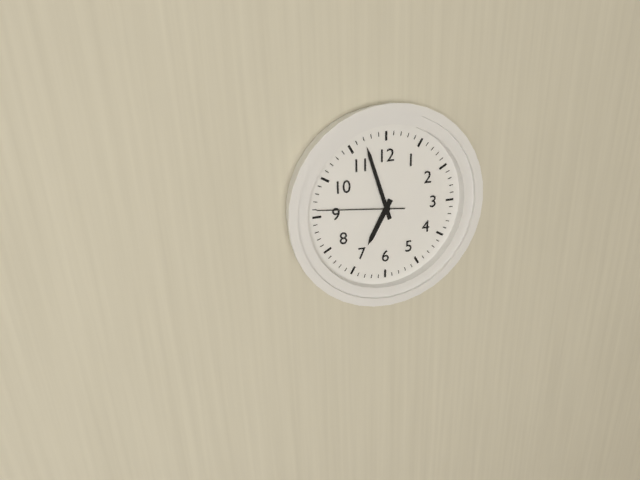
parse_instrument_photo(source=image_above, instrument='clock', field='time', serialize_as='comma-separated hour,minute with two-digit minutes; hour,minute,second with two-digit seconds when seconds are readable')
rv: 6,57,46
